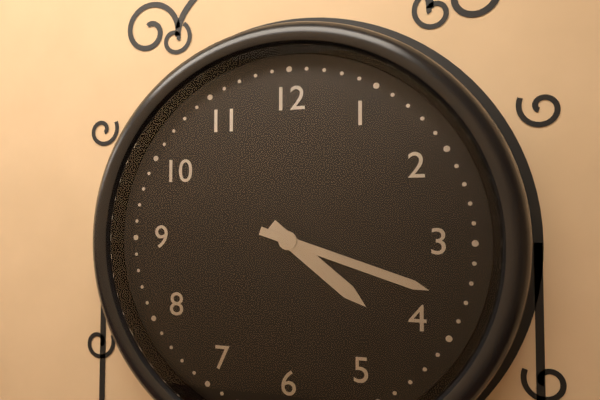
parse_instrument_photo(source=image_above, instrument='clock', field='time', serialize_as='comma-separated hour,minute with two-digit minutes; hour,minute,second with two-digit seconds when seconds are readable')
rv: 4,18
